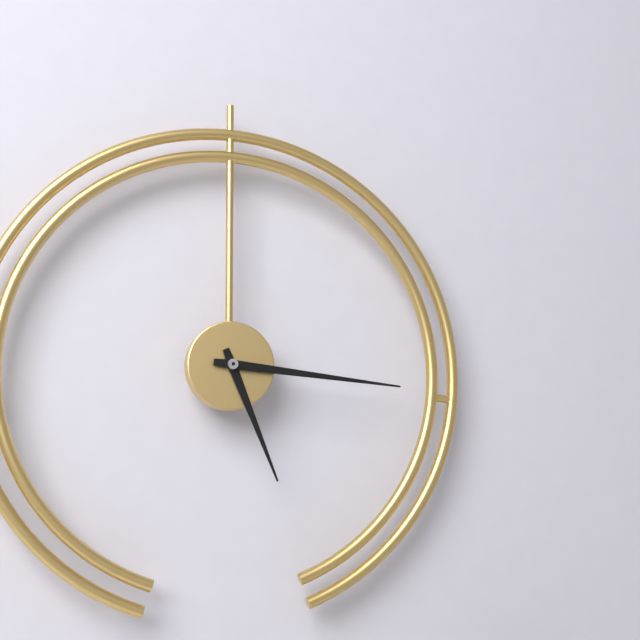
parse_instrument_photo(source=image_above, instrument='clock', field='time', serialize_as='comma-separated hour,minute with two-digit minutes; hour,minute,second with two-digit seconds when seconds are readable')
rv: 5,16
